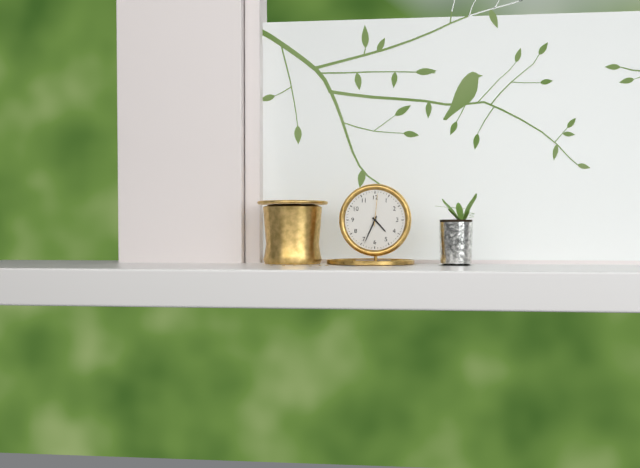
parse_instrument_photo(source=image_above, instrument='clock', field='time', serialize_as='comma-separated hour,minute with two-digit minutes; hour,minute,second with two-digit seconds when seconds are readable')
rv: 4,34
